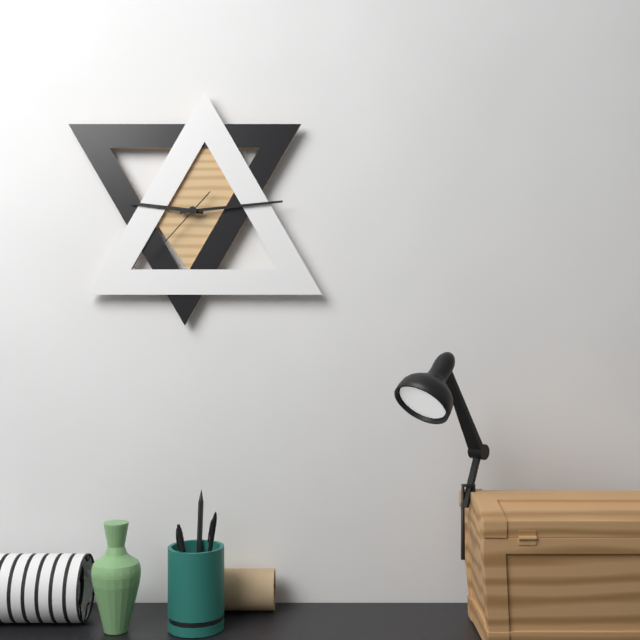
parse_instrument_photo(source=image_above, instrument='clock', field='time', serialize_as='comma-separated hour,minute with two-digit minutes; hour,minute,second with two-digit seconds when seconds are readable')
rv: 9,14,37
